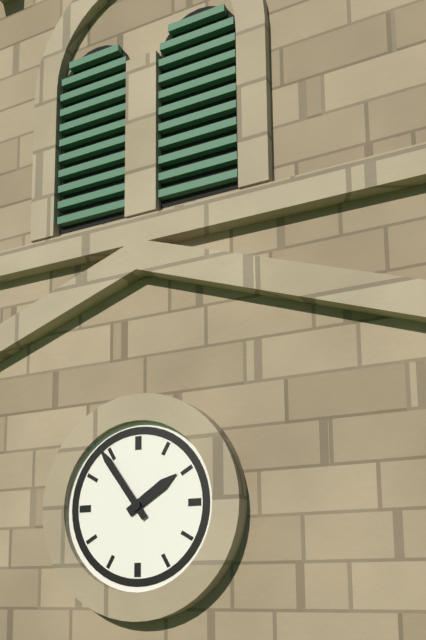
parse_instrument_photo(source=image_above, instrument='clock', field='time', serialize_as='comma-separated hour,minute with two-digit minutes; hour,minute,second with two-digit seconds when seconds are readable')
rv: 1,54
